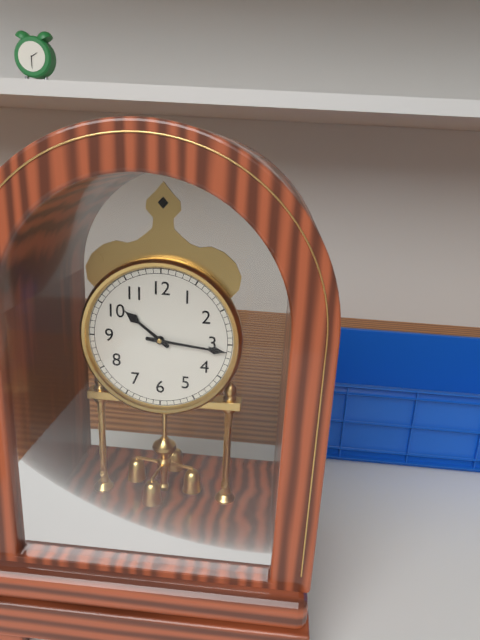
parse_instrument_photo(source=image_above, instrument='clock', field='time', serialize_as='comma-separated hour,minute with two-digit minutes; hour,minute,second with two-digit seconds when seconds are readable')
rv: 10,16
